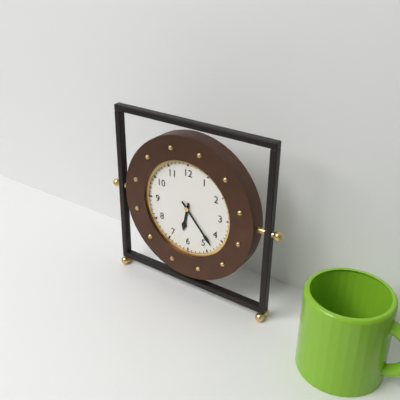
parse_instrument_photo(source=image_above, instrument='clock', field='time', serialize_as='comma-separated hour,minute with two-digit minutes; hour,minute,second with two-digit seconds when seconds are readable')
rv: 6,23
